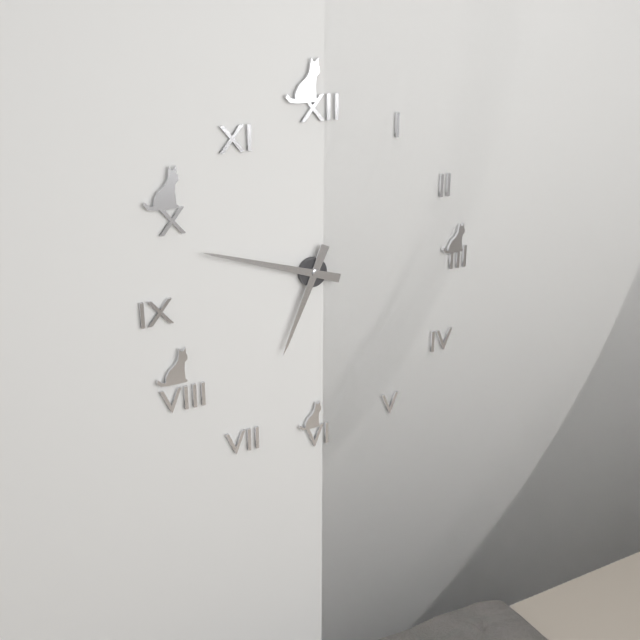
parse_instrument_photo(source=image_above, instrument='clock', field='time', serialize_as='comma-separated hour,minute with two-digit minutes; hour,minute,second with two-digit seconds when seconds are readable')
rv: 6,48
